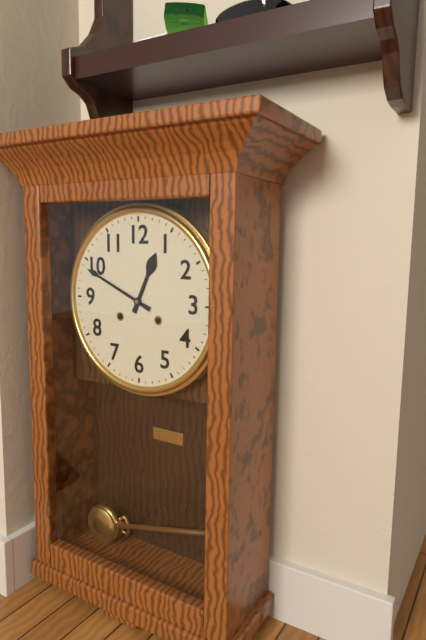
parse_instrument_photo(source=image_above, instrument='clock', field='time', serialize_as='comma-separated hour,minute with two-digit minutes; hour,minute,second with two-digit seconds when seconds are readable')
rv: 12,49
